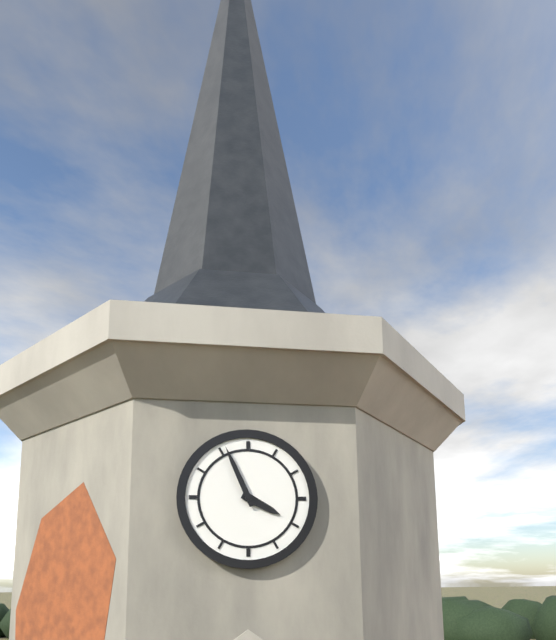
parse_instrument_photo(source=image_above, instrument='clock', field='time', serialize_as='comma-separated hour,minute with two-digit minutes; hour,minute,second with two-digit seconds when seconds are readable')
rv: 3,56
